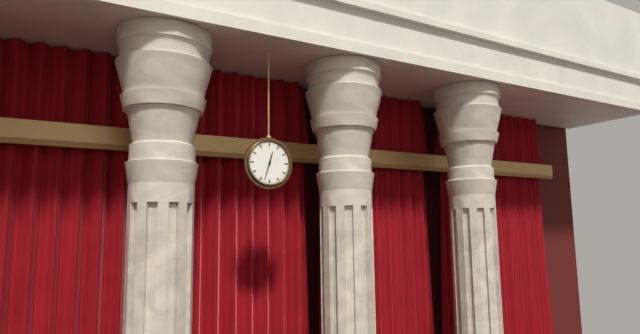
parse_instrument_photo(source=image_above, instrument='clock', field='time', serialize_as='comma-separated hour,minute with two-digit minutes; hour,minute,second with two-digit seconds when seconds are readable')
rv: 12,33
